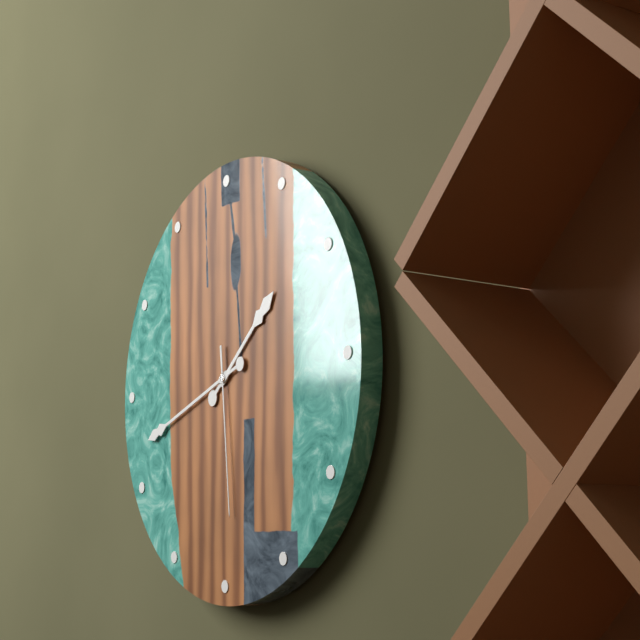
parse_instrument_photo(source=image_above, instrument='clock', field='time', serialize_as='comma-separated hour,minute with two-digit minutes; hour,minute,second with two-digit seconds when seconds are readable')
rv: 1,42,29
